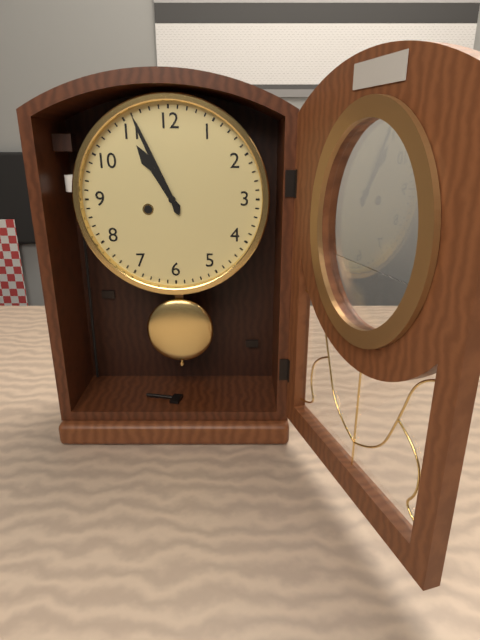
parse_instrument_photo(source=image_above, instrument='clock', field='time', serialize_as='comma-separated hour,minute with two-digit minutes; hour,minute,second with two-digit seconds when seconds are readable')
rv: 10,56
